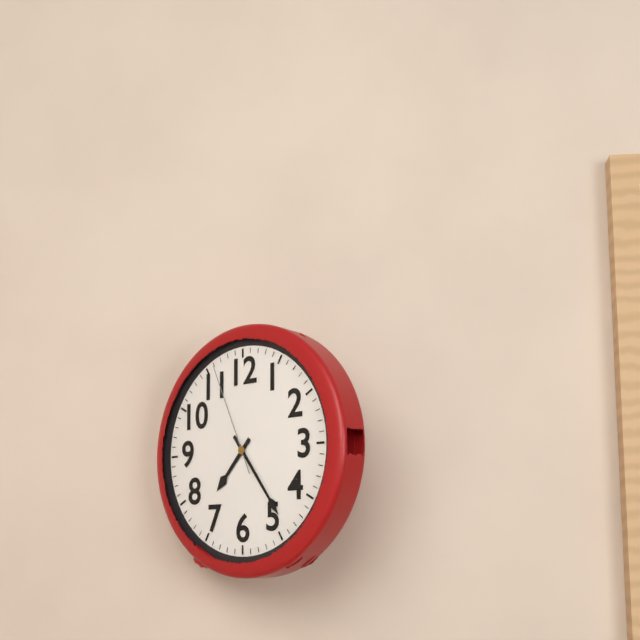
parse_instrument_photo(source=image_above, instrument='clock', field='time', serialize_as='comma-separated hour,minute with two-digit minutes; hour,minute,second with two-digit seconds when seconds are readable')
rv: 7,24,56
